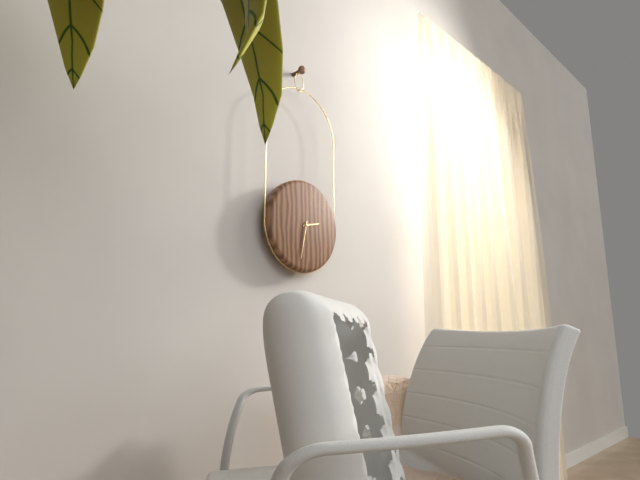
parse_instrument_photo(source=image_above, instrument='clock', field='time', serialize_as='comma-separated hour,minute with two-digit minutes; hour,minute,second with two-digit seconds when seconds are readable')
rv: 2,32
